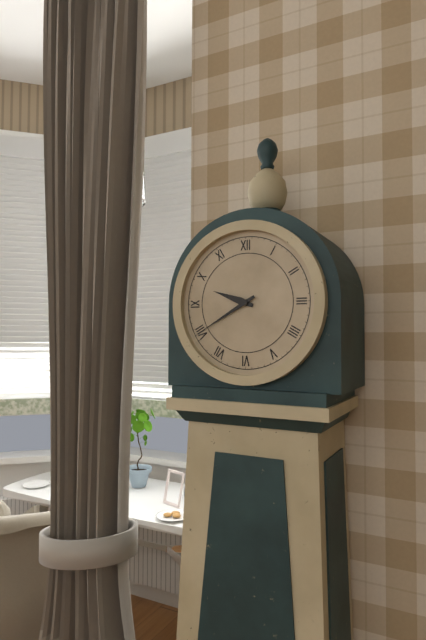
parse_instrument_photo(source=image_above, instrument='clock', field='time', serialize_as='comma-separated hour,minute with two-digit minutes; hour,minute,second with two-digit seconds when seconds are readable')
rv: 9,40
